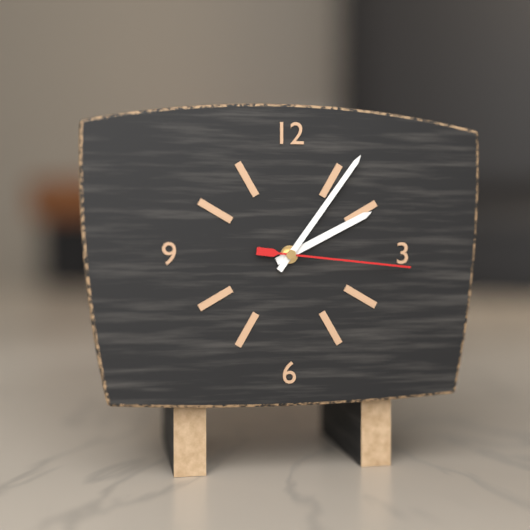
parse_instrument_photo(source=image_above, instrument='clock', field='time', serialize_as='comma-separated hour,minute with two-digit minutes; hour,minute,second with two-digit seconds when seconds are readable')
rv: 2,06,16
